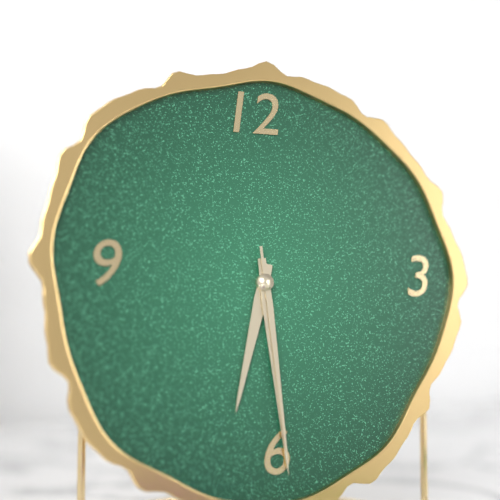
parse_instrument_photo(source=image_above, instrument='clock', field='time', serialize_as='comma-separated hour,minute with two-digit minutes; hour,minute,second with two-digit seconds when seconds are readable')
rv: 6,29,29
